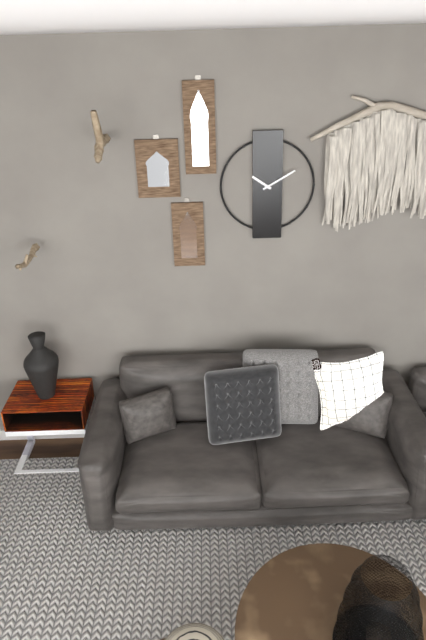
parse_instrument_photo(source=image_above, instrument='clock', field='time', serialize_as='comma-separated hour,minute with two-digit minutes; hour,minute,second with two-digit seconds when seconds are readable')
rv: 10,10
